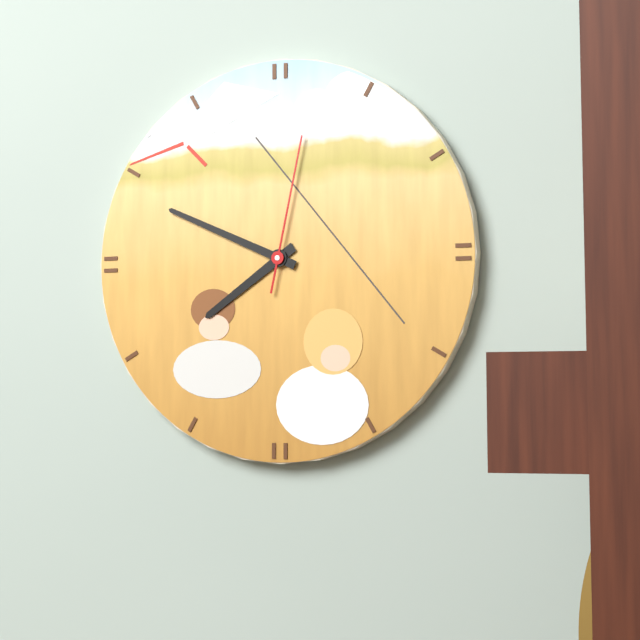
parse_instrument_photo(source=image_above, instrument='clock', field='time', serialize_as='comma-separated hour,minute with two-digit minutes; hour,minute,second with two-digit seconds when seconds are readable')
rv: 7,49,02
